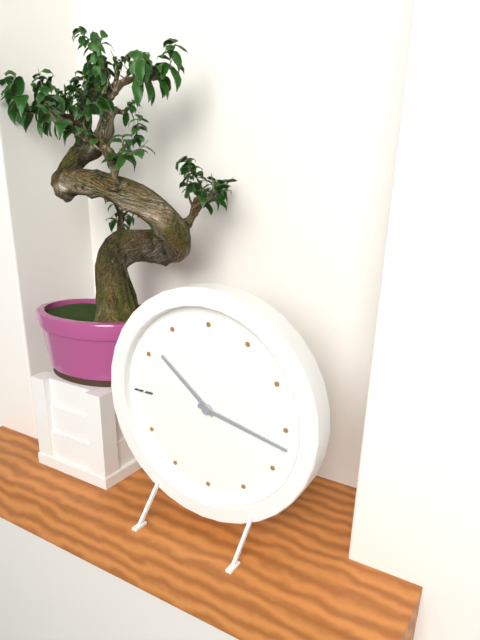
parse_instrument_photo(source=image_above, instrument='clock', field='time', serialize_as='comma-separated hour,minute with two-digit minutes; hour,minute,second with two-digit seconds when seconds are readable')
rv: 10,17
